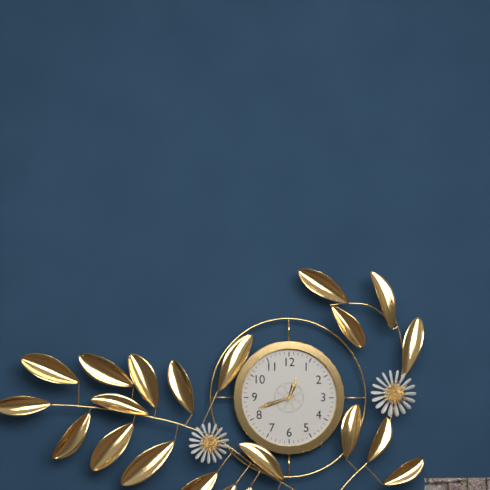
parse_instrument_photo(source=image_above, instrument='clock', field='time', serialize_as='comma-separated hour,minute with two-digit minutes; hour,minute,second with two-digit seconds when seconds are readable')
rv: 12,42
